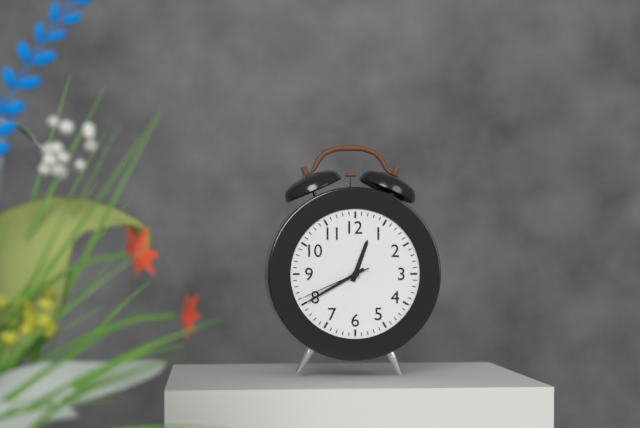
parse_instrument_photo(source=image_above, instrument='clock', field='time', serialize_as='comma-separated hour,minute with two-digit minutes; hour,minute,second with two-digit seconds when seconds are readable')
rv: 12,40,41
